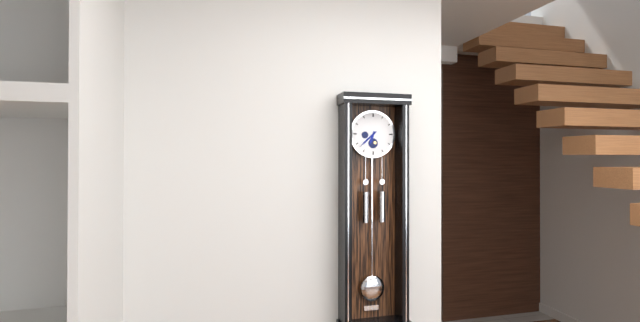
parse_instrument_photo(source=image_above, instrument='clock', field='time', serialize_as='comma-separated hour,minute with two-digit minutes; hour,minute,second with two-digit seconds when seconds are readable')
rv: 6,38
